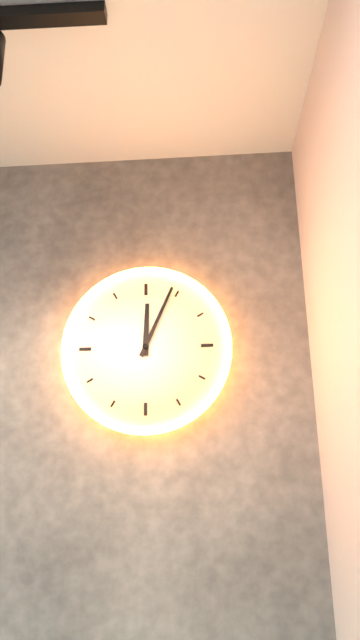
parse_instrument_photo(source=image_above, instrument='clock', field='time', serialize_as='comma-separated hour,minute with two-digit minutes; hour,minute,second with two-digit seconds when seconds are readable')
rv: 12,04
